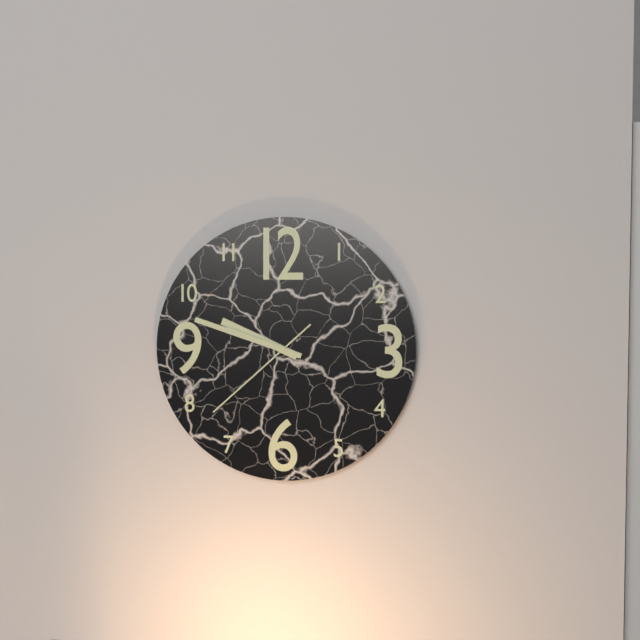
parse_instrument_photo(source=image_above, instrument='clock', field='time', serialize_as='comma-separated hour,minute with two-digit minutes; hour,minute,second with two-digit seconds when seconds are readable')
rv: 9,48,38
